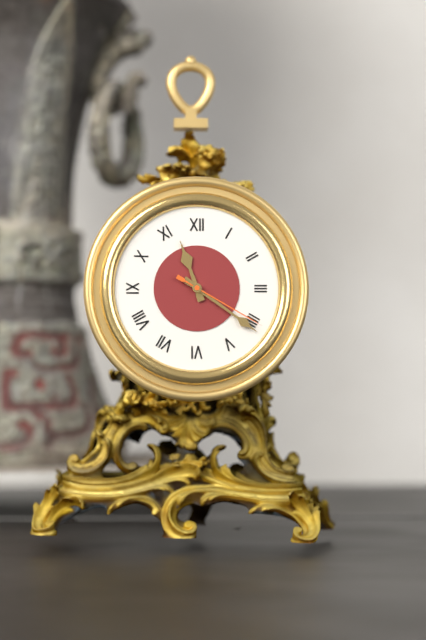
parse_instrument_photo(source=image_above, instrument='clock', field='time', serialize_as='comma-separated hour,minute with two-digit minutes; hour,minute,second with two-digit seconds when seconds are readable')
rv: 11,21,20
